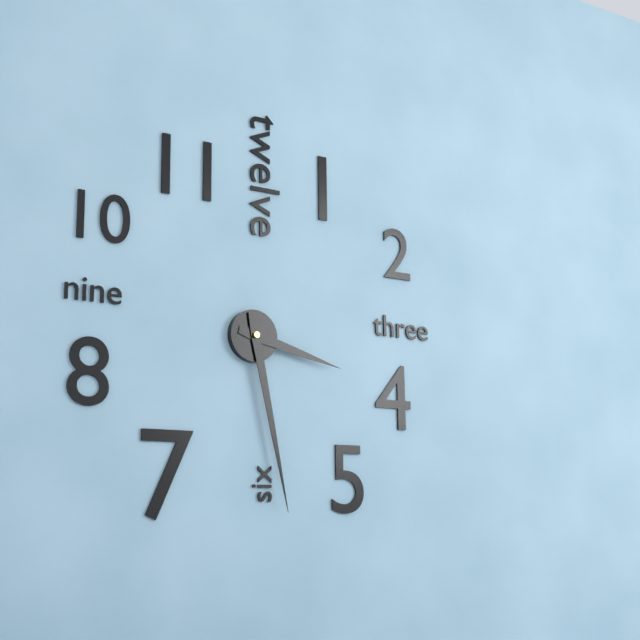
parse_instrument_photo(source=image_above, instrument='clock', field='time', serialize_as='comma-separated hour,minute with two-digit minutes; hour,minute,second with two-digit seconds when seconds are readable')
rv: 3,28
